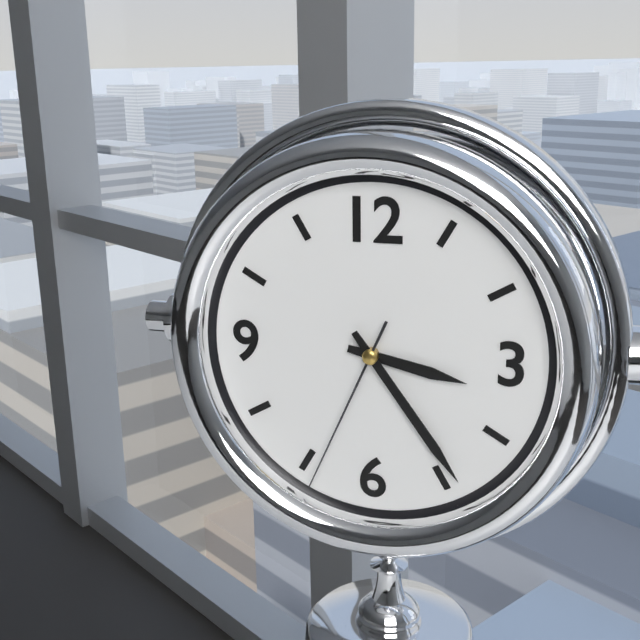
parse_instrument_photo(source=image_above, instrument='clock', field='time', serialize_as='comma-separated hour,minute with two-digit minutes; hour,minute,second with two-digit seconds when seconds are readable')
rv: 3,24,34
